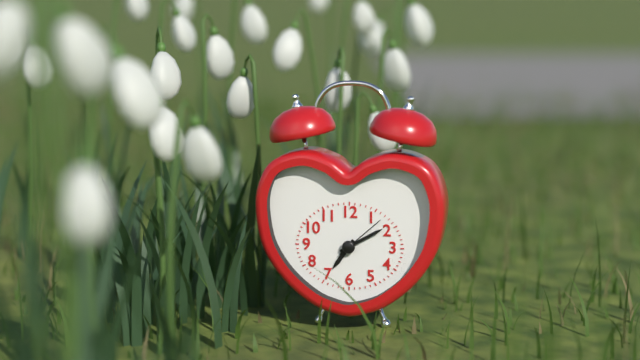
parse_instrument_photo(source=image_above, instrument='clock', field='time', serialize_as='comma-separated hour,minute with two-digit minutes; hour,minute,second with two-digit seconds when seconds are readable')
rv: 7,10,08
